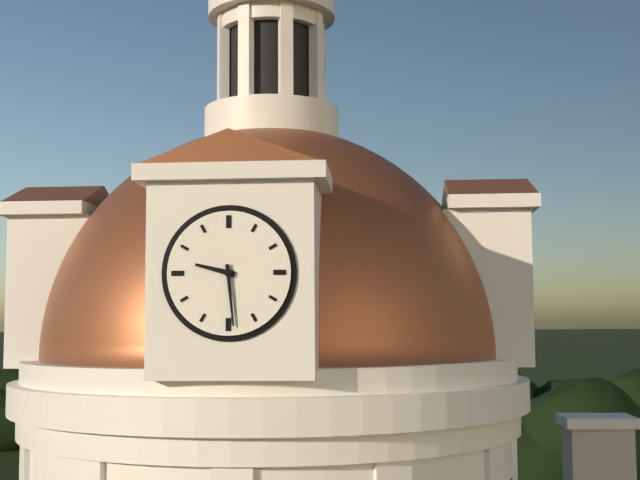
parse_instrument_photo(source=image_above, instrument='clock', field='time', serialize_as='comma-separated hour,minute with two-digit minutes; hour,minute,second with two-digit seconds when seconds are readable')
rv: 9,29
